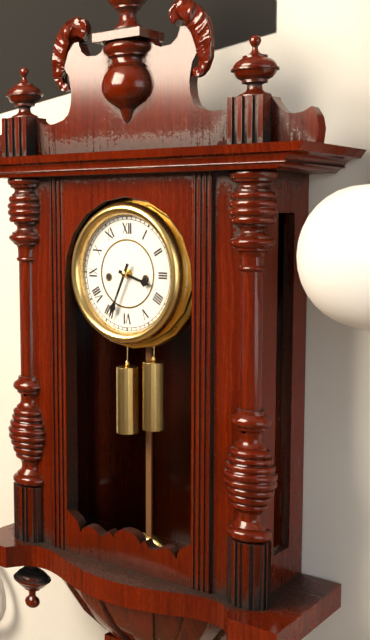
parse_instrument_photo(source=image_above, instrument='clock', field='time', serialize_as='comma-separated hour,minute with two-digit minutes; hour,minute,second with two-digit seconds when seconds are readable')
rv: 3,34
